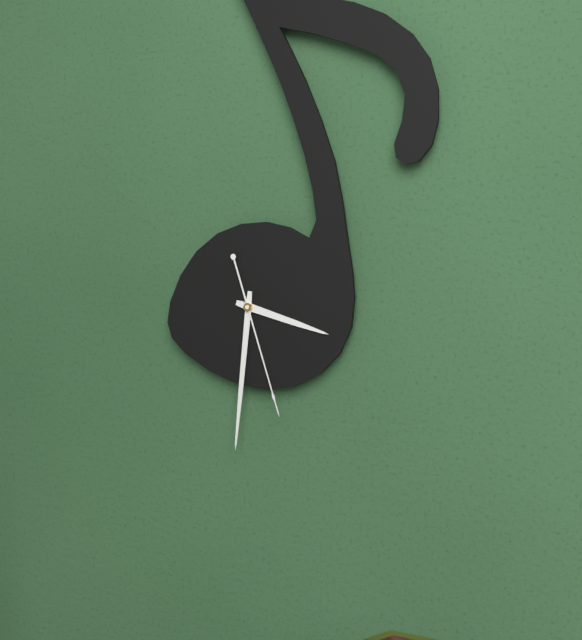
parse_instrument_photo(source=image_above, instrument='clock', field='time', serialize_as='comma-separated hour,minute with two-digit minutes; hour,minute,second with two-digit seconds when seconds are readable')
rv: 3,31,27
